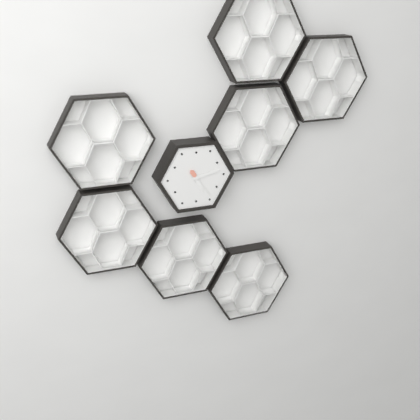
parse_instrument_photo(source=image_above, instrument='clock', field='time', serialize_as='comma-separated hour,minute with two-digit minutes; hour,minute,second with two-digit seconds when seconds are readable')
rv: 5,13
